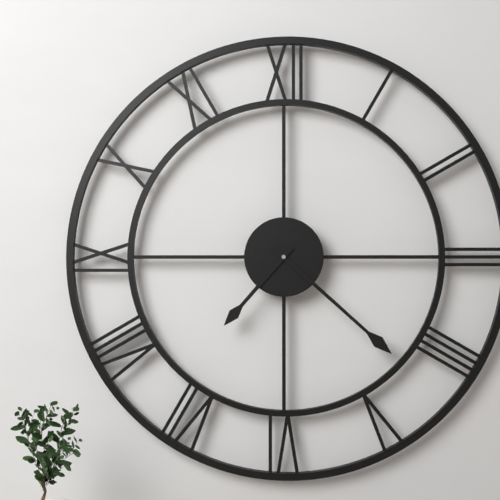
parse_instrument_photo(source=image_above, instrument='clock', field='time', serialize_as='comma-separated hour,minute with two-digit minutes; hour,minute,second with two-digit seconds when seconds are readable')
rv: 7,22
